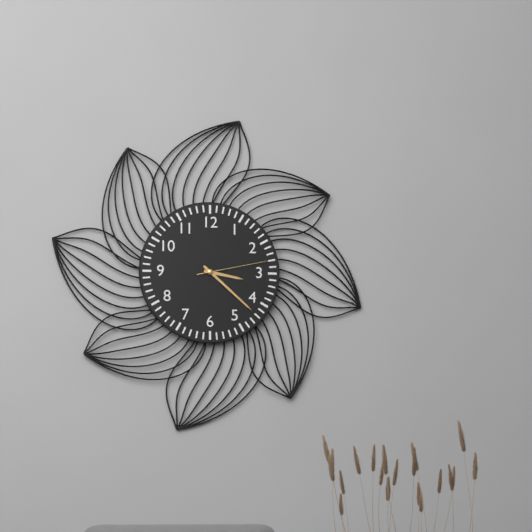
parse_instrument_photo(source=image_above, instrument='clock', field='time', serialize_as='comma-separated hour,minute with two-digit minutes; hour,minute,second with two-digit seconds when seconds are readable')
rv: 3,22,13
